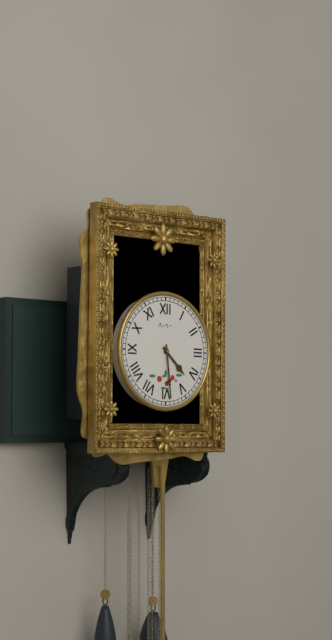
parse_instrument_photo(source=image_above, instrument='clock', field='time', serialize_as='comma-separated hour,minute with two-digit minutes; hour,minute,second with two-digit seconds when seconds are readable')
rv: 4,29
